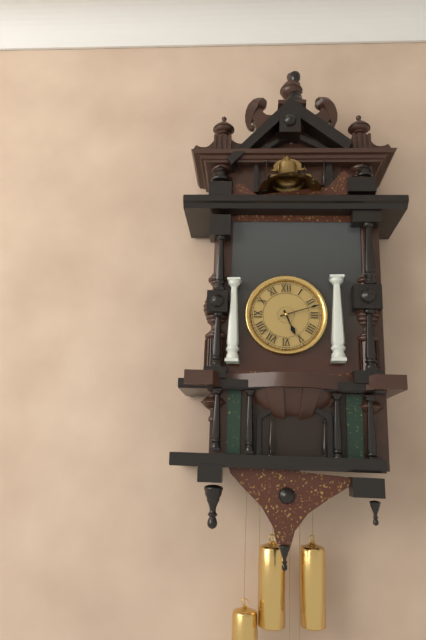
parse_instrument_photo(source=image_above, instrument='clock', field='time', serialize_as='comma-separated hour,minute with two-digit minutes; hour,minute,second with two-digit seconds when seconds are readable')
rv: 5,12
